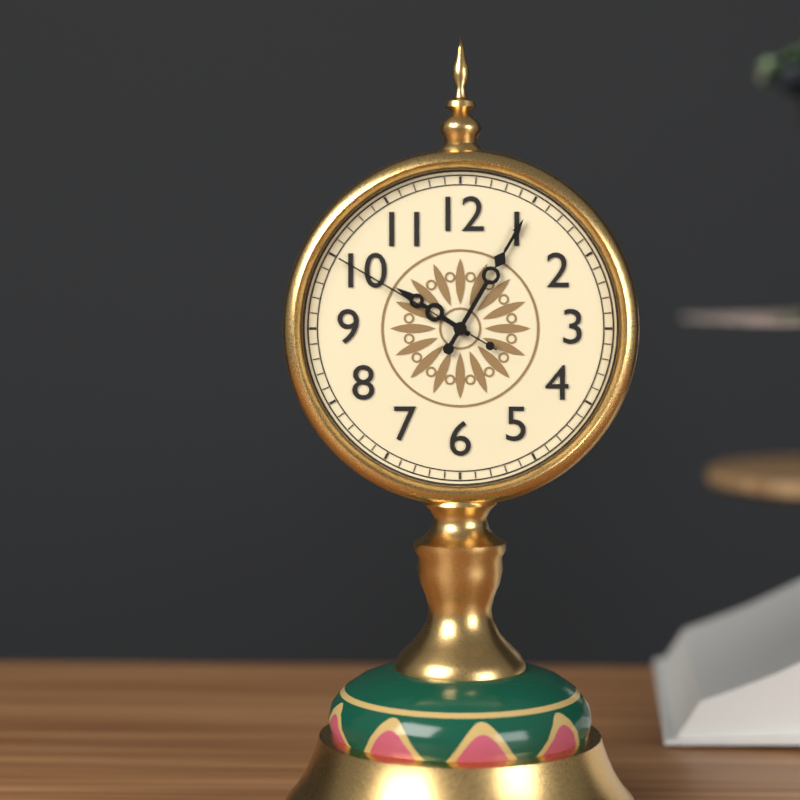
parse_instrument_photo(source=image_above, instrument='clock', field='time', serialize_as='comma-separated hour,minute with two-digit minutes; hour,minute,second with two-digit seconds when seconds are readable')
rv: 10,05,50
